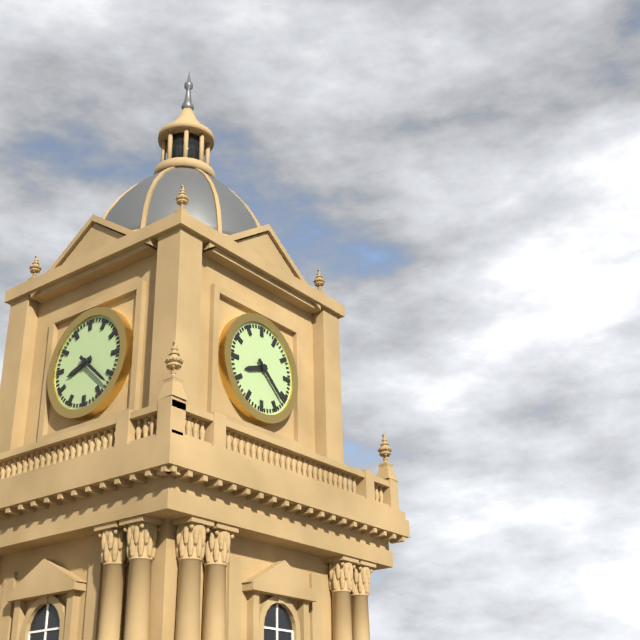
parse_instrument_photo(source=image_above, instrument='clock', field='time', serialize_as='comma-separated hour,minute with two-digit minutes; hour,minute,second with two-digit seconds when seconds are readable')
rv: 8,22
